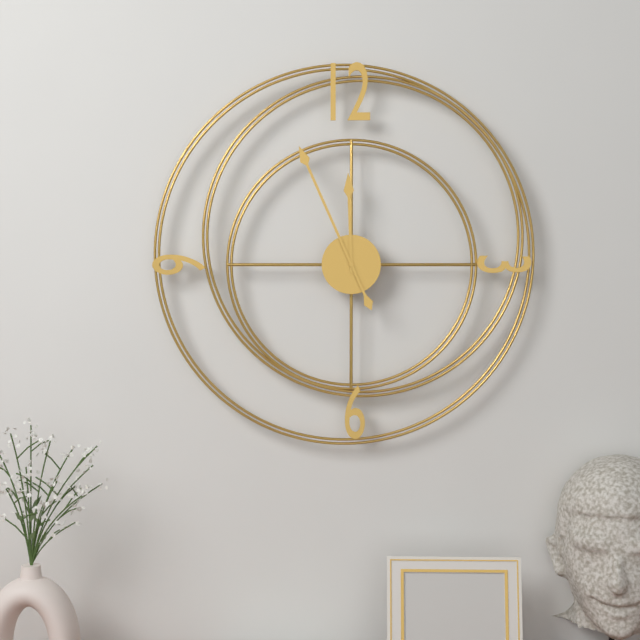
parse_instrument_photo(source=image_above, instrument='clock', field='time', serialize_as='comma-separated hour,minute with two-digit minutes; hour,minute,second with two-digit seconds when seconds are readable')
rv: 11,56
